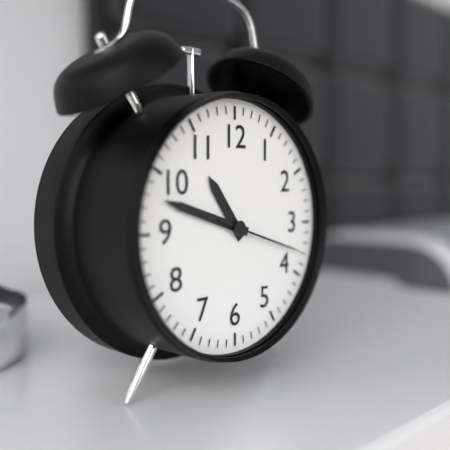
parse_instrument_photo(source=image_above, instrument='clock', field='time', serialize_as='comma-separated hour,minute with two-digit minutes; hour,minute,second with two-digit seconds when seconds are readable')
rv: 10,48,18
